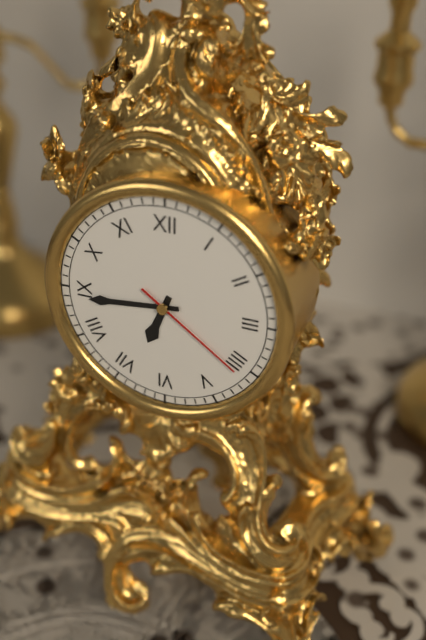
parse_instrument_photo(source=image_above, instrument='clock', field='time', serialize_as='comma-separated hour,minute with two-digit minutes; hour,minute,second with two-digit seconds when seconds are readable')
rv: 6,44,21
